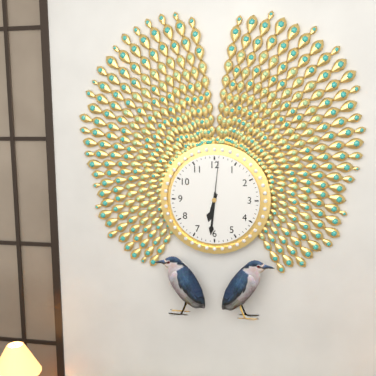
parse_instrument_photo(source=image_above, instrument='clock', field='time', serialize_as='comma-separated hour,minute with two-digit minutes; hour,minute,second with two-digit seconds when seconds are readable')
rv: 6,31
